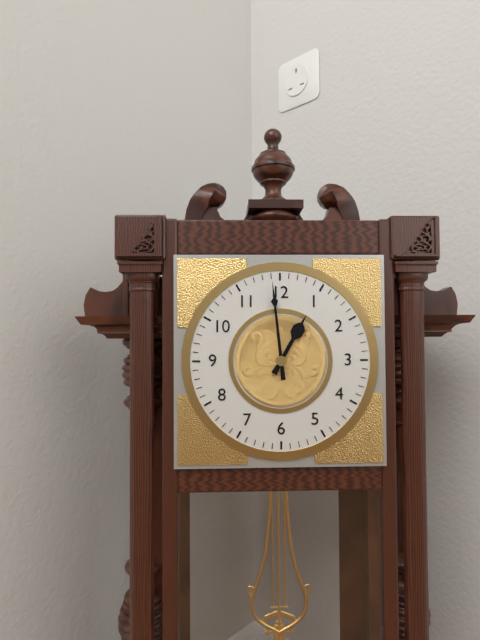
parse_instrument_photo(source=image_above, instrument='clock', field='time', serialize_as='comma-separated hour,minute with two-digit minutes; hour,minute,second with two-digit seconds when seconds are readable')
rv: 12,59
